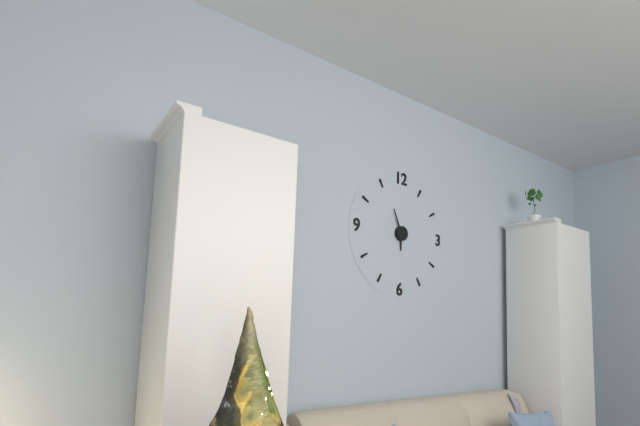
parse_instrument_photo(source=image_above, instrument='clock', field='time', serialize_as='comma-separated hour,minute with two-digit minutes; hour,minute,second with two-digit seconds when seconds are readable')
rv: 5,56
